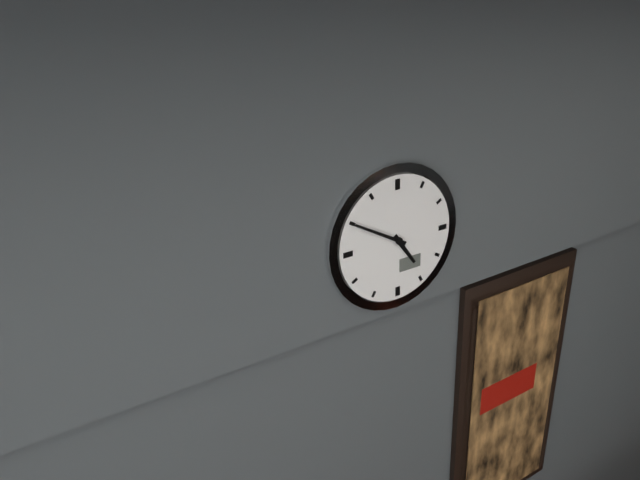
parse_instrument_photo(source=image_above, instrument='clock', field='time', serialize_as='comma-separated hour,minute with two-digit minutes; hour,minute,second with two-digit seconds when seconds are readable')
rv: 4,50
